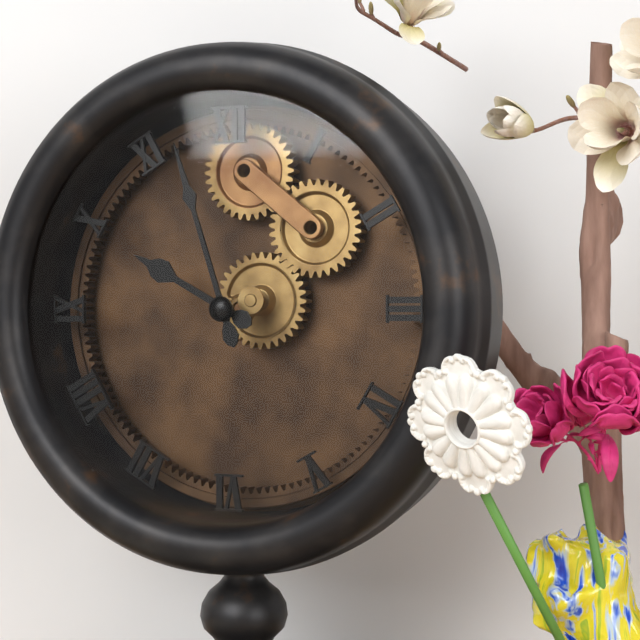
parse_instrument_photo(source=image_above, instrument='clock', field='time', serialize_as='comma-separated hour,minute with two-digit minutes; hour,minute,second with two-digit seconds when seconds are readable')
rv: 9,57
